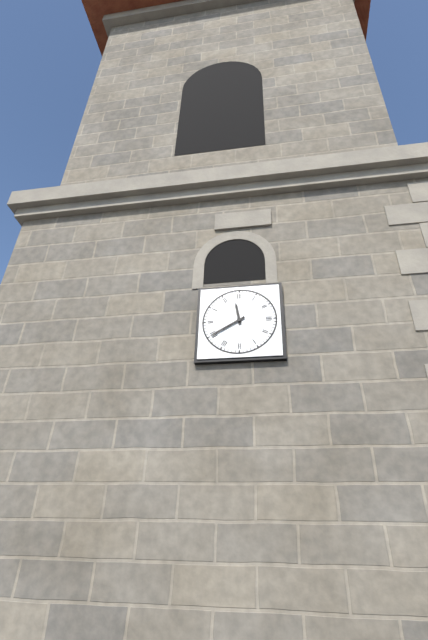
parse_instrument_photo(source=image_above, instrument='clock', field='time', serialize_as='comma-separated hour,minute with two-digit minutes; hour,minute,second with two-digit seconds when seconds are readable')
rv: 11,40
